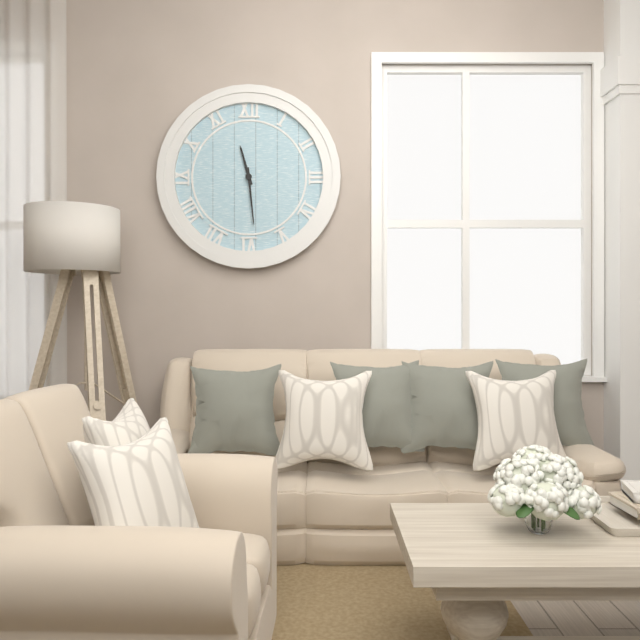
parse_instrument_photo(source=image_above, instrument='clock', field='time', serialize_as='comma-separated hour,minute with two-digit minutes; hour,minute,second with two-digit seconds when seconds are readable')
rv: 11,29
